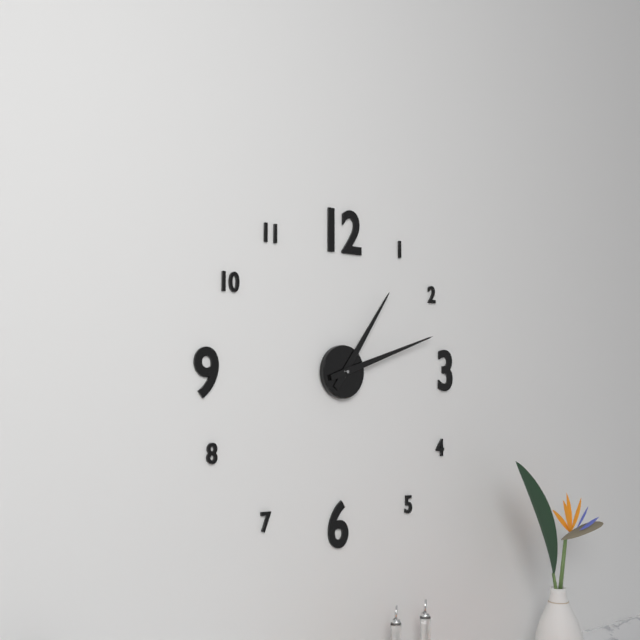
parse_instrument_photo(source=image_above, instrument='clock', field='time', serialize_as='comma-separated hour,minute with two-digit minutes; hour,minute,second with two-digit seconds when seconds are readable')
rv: 1,12
